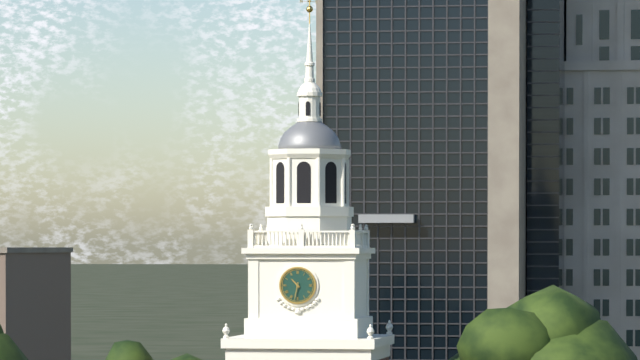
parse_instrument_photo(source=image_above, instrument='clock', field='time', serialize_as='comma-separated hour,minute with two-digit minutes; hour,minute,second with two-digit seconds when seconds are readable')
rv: 10,32
